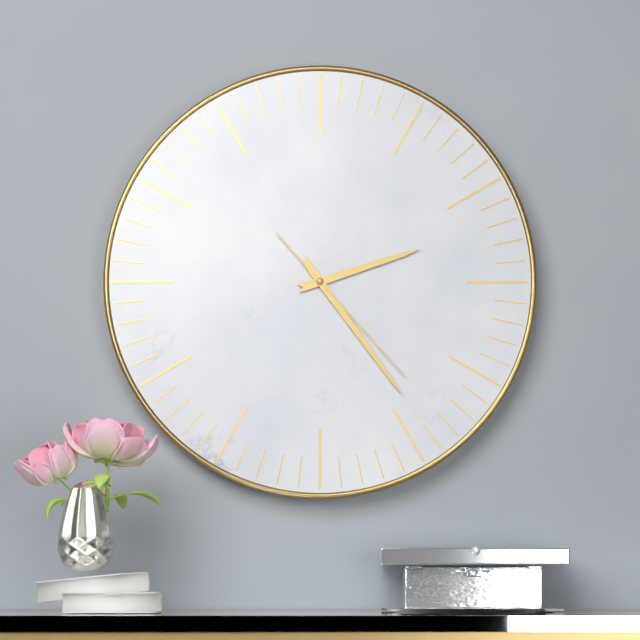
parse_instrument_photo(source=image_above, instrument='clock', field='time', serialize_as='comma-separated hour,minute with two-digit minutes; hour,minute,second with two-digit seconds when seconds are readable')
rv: 2,24,23
